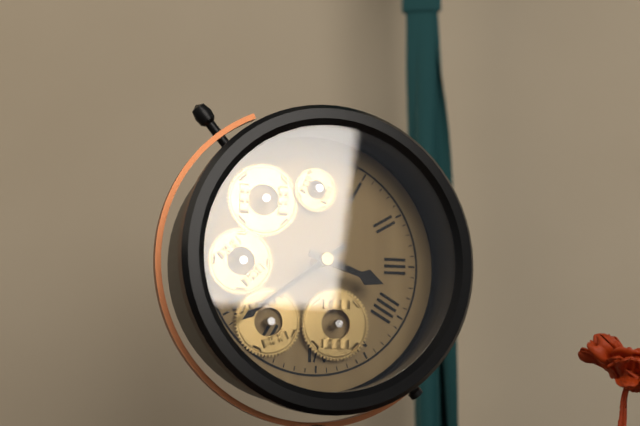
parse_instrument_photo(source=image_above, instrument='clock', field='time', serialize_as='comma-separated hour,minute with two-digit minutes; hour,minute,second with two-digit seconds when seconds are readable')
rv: 3,39
